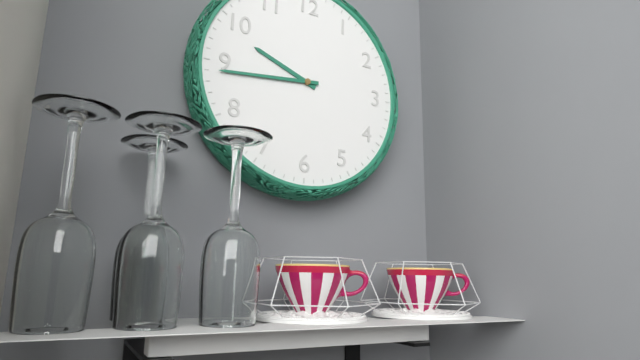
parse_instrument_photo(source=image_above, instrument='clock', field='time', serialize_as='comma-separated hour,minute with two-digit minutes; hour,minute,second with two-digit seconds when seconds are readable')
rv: 9,44
